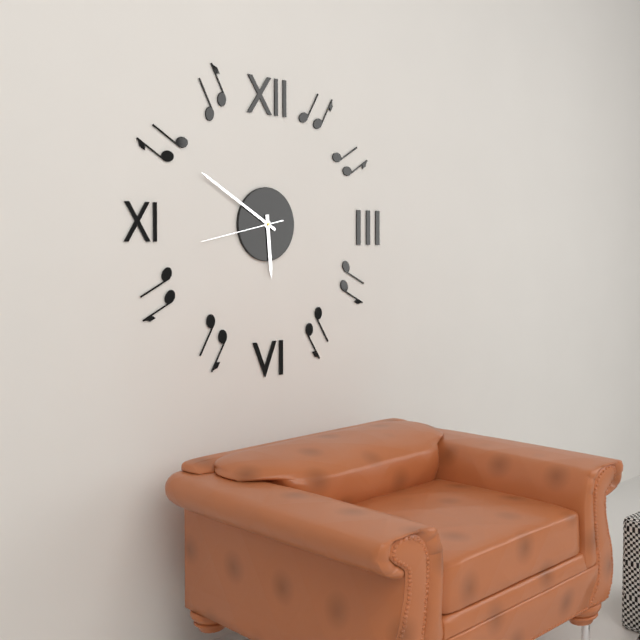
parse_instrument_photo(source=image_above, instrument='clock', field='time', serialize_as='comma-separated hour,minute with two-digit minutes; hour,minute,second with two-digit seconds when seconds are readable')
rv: 5,50,43
